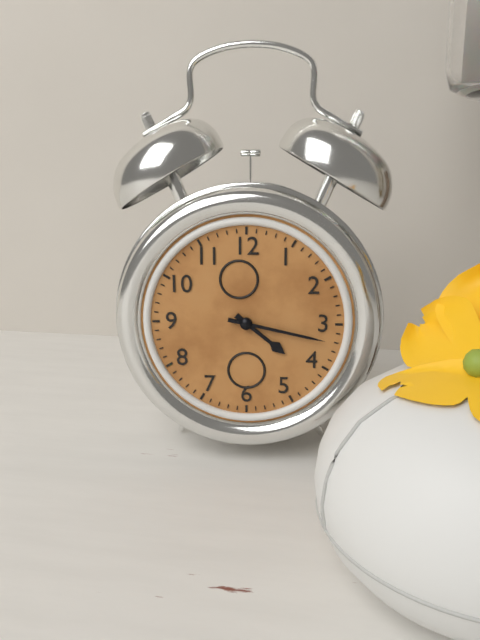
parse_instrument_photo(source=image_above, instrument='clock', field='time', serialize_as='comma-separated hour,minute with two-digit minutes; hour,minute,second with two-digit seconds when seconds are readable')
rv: 4,17
